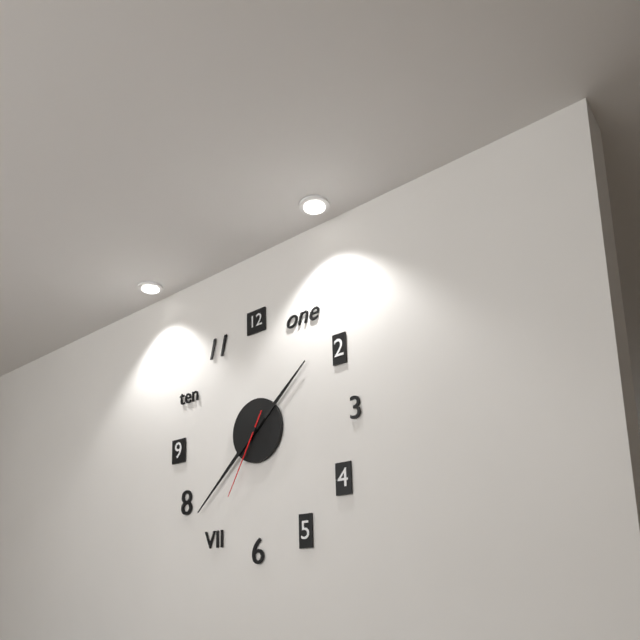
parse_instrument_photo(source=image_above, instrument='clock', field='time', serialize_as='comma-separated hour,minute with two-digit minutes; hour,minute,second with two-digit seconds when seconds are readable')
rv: 1,38,35
